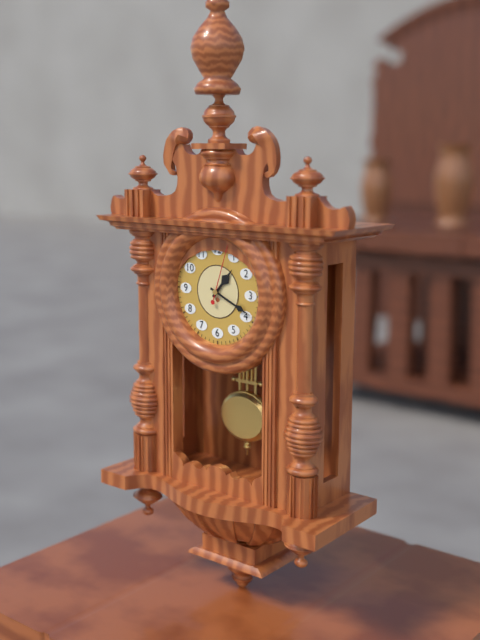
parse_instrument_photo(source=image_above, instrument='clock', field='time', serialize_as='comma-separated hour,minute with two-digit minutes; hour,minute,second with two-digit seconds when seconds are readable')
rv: 1,19,03
